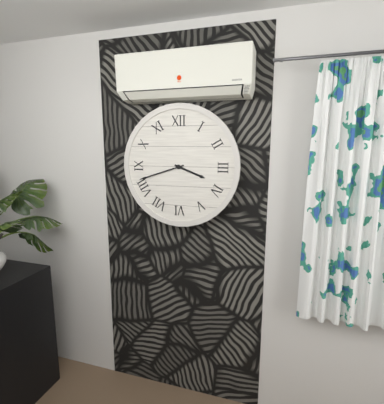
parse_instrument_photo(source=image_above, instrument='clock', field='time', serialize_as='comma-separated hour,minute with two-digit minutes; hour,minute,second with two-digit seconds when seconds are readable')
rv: 3,42
